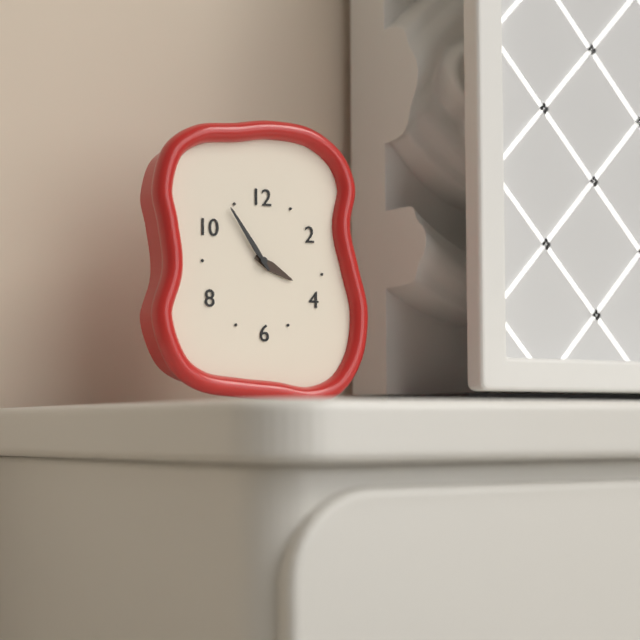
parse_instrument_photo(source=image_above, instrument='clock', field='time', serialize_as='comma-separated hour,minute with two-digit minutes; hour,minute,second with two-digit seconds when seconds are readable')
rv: 3,54
